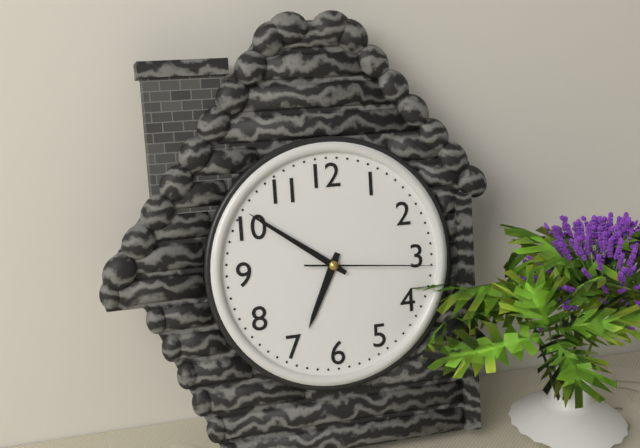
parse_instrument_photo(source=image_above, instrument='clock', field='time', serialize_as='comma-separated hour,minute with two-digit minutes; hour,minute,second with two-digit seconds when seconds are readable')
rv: 6,51,16
